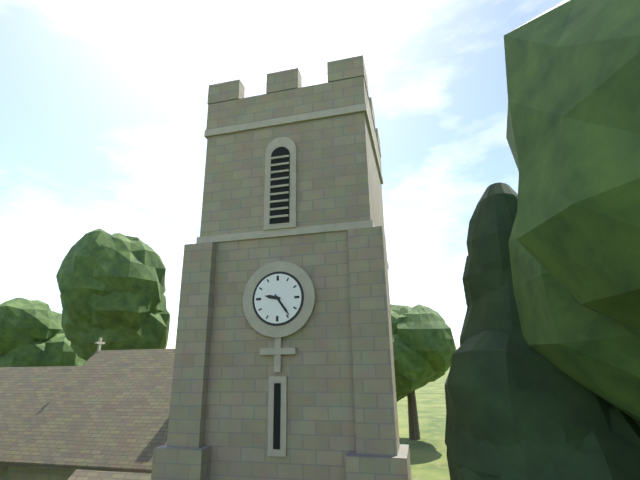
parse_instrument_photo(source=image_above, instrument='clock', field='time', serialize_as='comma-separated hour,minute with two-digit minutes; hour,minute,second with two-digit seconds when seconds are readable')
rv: 9,24
